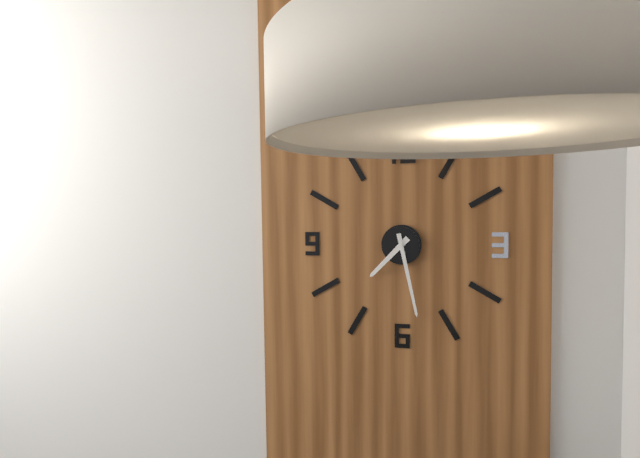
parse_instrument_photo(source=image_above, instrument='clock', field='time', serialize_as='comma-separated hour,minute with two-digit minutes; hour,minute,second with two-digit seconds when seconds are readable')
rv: 7,28
